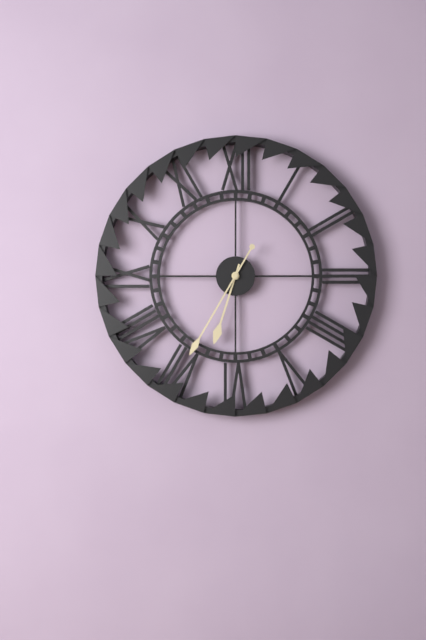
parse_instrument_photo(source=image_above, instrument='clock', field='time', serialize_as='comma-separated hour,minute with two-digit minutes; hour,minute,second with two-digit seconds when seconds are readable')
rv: 6,35
